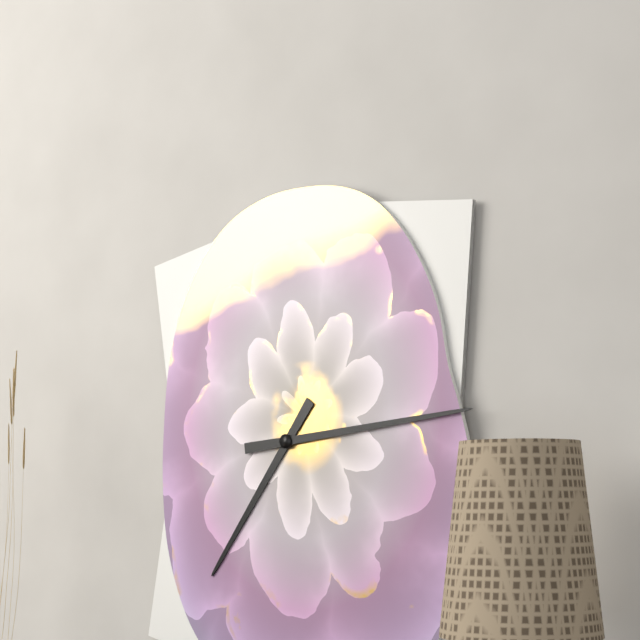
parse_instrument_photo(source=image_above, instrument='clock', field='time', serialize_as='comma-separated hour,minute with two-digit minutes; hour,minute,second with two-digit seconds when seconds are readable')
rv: 7,14
